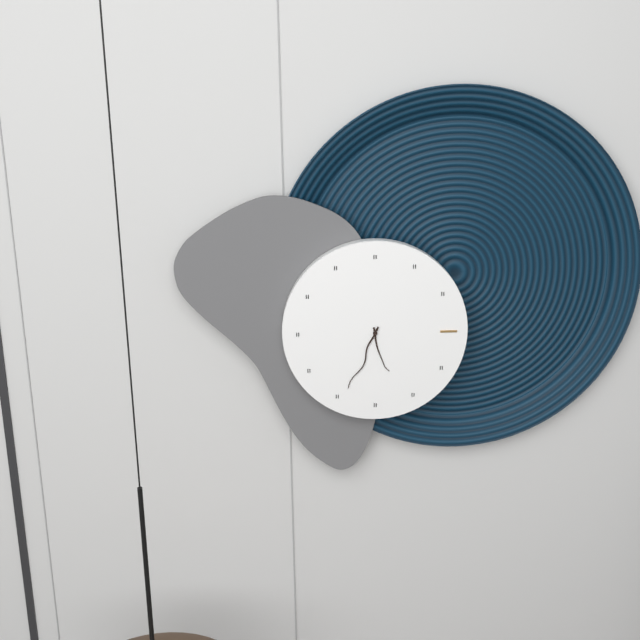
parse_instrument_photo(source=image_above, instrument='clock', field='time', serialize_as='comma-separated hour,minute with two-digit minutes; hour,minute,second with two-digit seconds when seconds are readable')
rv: 5,34
